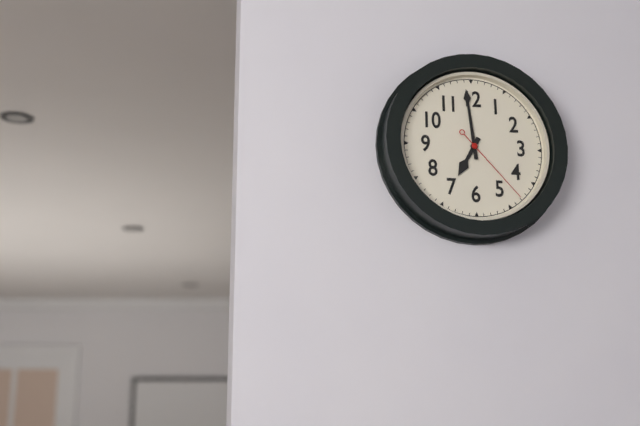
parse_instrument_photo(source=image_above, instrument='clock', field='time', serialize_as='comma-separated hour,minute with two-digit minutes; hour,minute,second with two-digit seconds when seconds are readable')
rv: 6,59,23
